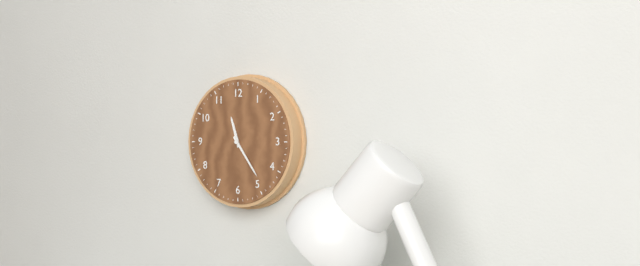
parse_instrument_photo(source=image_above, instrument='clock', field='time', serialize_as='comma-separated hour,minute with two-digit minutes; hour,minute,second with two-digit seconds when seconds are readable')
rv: 11,24
